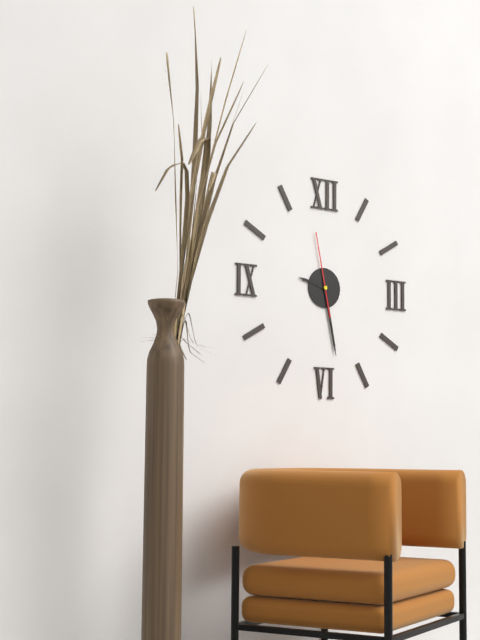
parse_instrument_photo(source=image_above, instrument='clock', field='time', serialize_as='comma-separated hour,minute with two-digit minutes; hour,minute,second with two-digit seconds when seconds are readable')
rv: 9,28,58
